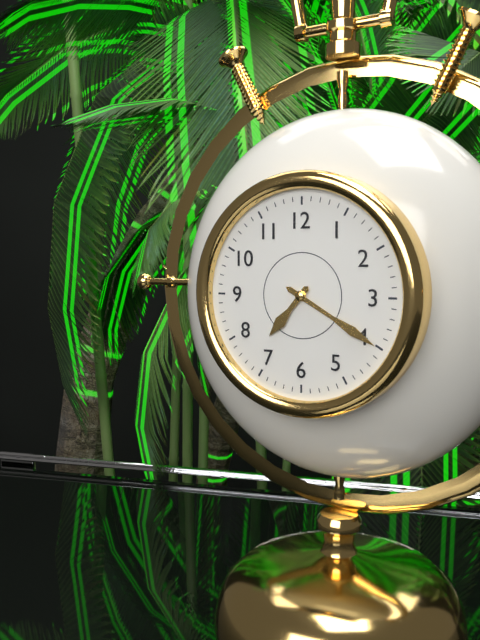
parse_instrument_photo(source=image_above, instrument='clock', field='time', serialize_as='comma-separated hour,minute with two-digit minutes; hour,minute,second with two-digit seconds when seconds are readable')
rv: 7,20
